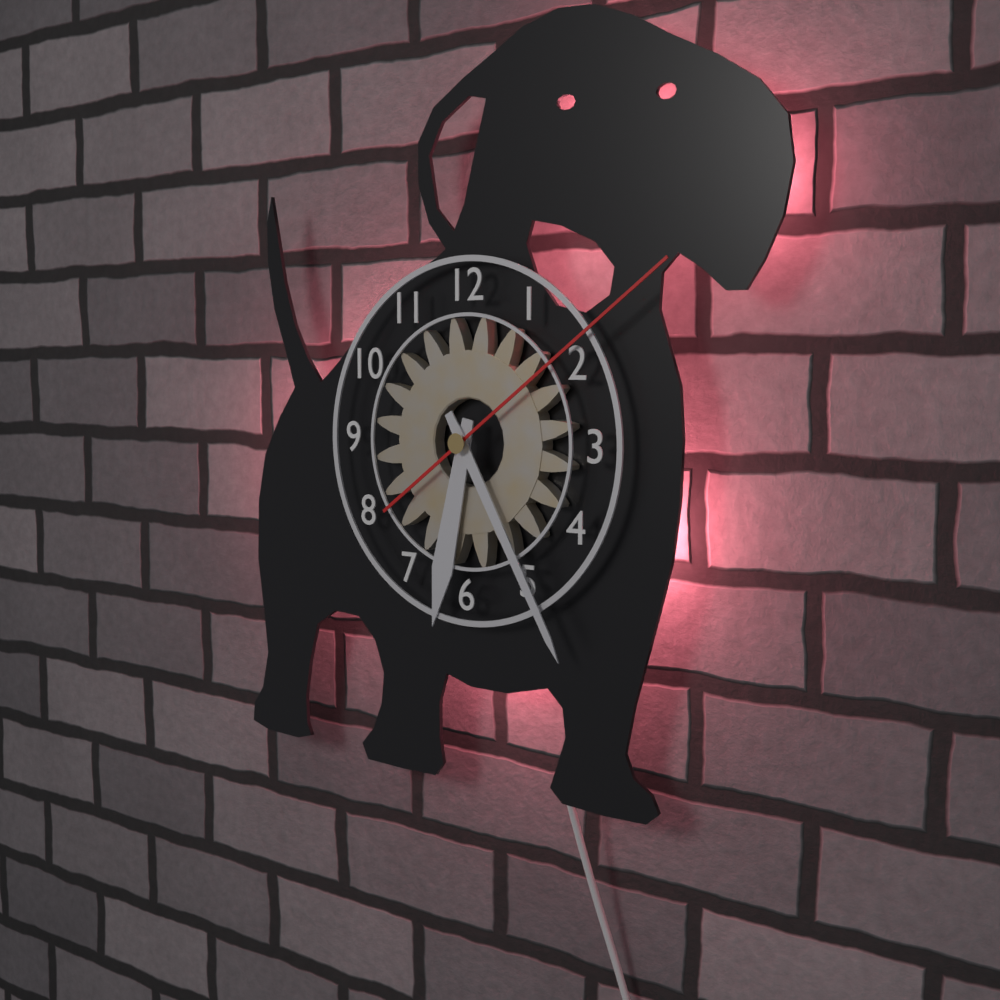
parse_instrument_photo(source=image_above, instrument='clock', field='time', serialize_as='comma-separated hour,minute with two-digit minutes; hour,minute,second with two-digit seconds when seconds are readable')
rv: 6,25,09
